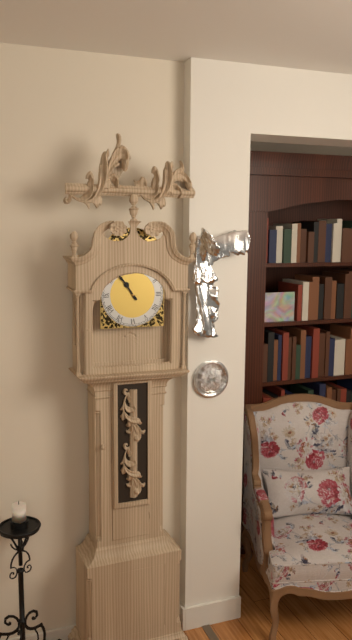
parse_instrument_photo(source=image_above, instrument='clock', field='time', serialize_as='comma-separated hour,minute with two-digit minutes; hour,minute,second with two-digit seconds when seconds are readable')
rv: 10,54
